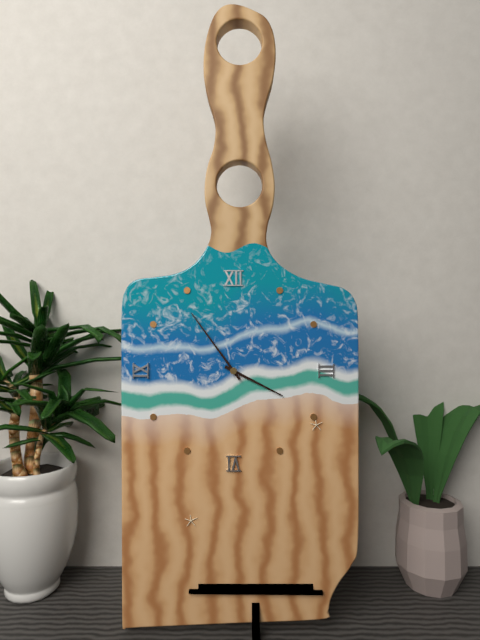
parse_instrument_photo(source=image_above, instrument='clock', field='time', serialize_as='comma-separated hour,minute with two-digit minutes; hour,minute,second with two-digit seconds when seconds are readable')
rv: 3,54
